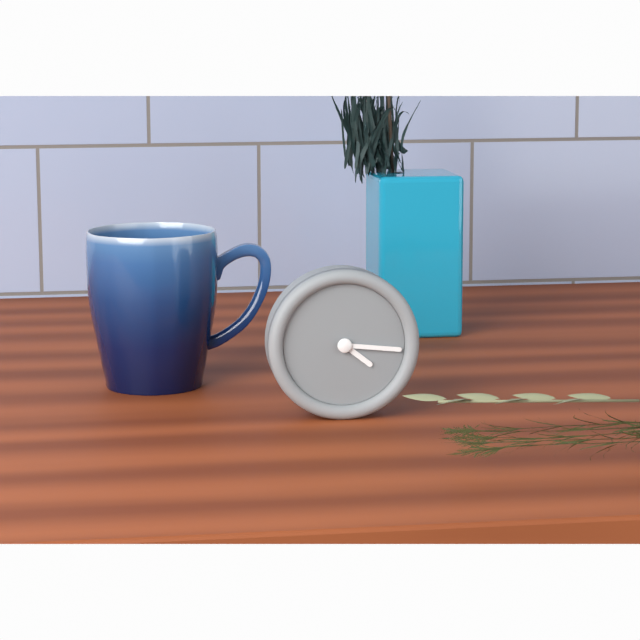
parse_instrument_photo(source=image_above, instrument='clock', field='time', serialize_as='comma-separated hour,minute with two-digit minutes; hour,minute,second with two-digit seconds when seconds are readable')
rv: 4,16
